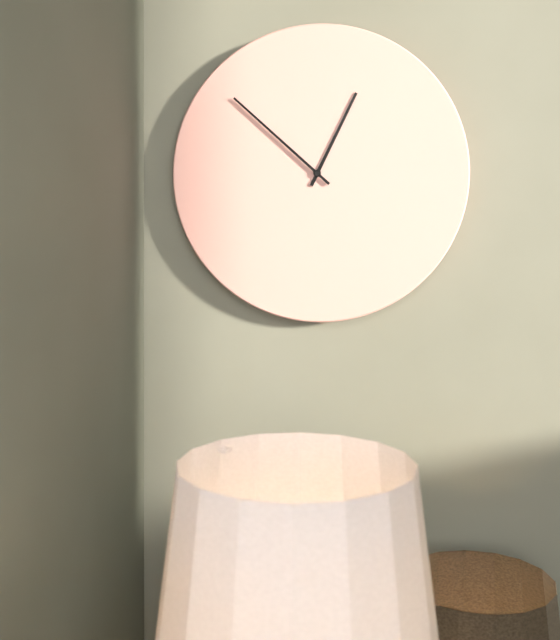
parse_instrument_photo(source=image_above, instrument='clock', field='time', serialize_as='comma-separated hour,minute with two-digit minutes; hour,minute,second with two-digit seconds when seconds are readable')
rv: 12,52
